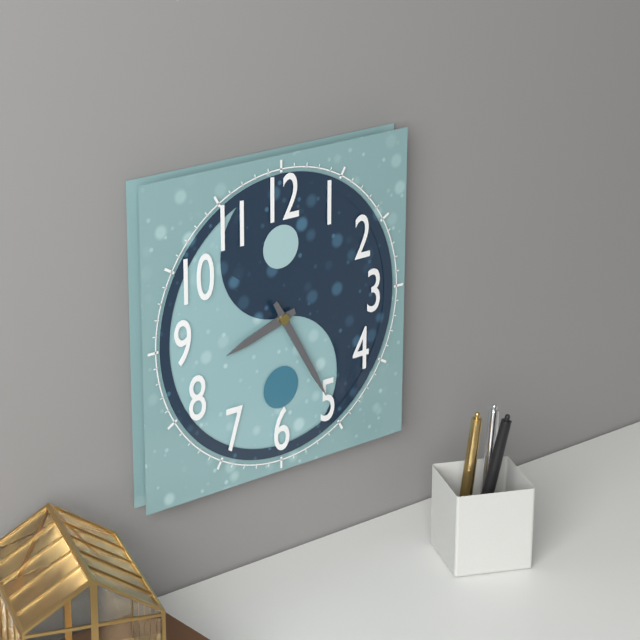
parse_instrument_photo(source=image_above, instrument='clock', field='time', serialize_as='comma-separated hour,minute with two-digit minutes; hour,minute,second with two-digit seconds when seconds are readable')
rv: 8,25
